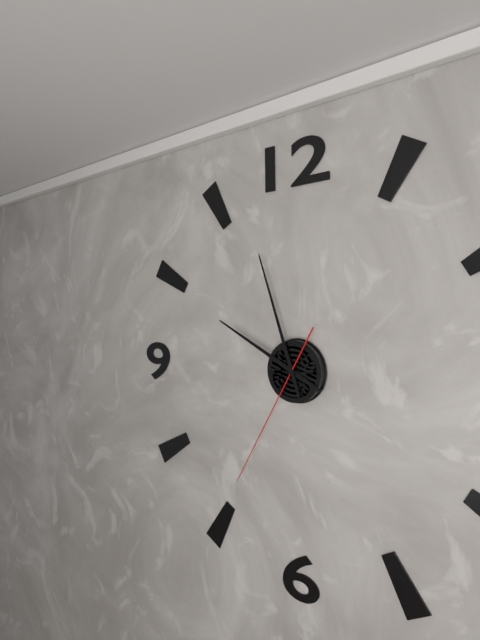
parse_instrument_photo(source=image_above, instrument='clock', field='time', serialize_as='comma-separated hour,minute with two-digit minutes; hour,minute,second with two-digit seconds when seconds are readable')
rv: 9,57,35
